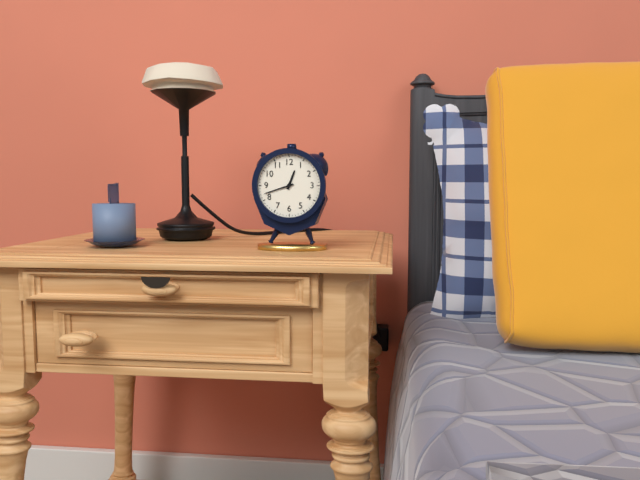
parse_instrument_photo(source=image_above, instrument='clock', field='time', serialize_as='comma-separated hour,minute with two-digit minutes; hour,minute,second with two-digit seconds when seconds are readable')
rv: 12,42
